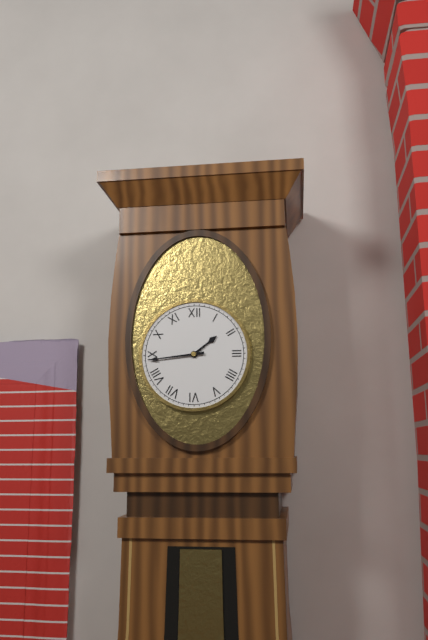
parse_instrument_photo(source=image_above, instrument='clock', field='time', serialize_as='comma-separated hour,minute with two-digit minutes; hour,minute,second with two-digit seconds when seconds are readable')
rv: 1,44
